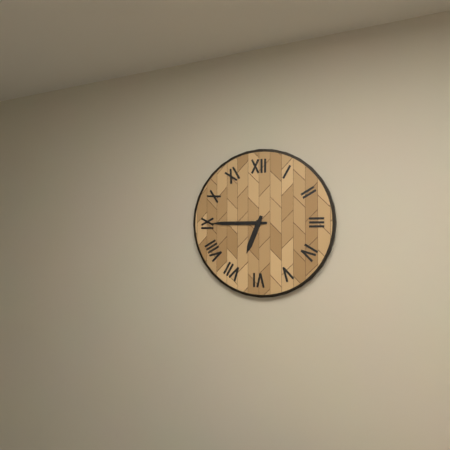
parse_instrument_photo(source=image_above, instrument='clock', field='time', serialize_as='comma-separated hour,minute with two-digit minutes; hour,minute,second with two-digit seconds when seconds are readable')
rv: 6,45
